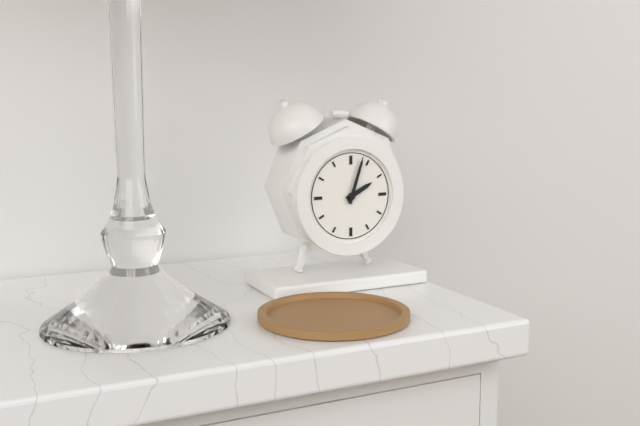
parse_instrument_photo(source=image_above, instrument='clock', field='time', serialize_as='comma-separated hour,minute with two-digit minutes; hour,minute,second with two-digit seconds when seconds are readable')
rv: 2,03
